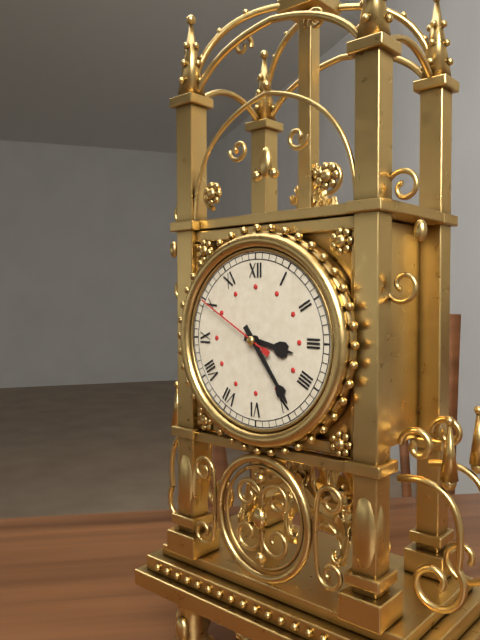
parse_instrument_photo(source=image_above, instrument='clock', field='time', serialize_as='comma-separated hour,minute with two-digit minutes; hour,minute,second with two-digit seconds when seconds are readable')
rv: 3,24,50
